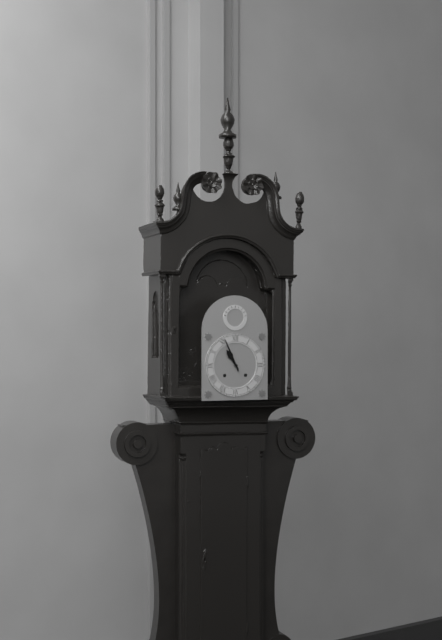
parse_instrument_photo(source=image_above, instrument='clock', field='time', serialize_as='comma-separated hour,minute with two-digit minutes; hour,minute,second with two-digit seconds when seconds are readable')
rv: 10,56
